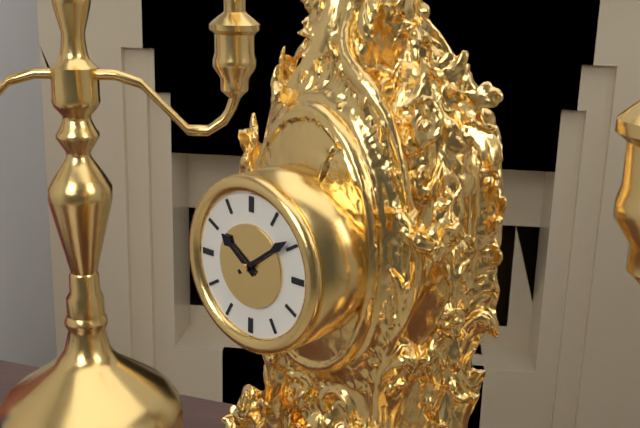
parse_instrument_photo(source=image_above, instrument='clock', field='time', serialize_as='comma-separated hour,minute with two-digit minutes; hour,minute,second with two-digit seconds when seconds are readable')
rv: 10,09
